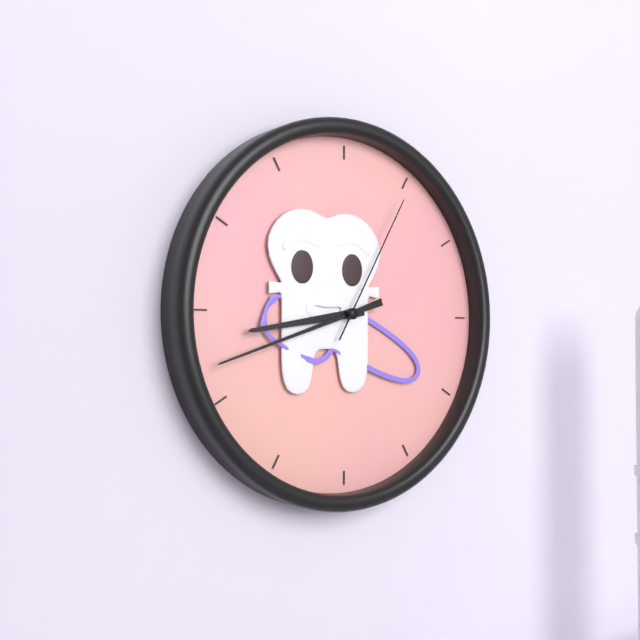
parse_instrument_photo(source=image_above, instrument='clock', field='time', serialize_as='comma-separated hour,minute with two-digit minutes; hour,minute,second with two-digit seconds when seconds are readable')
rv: 8,42,05
